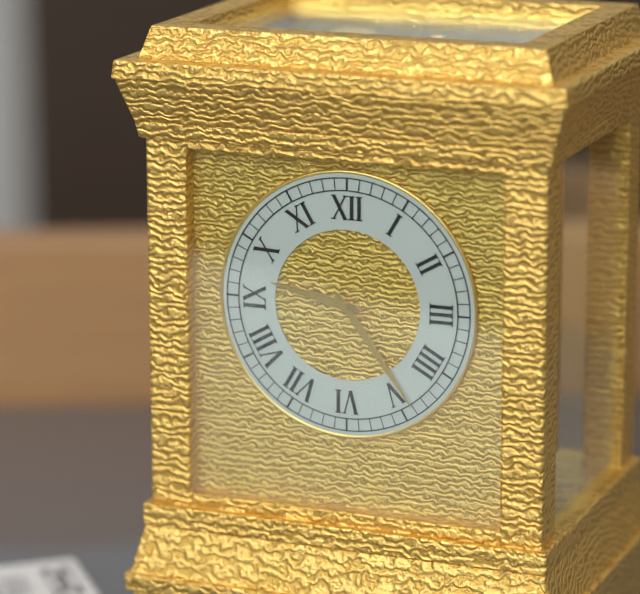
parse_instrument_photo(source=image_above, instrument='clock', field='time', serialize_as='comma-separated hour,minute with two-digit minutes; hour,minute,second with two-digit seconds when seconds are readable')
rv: 9,24
